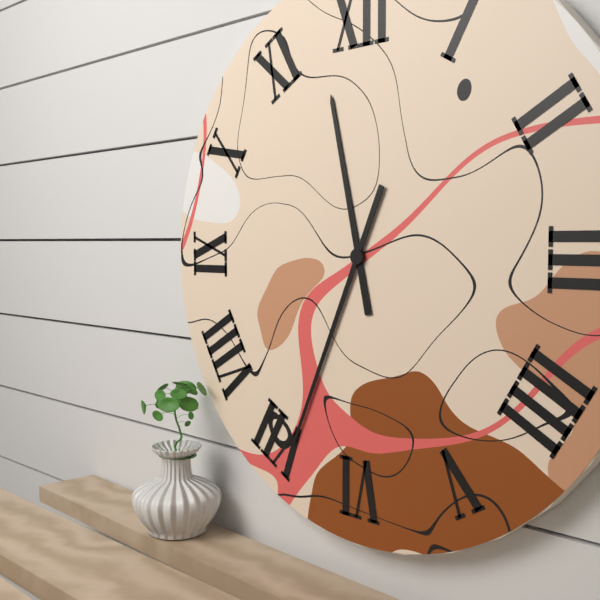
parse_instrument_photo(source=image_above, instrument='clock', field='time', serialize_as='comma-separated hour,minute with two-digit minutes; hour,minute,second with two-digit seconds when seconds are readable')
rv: 11,34
